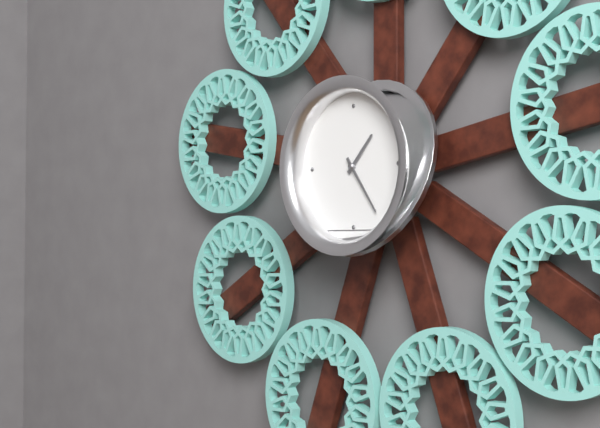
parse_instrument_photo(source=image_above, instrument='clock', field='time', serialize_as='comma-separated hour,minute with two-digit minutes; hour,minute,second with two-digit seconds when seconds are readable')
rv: 1,24
